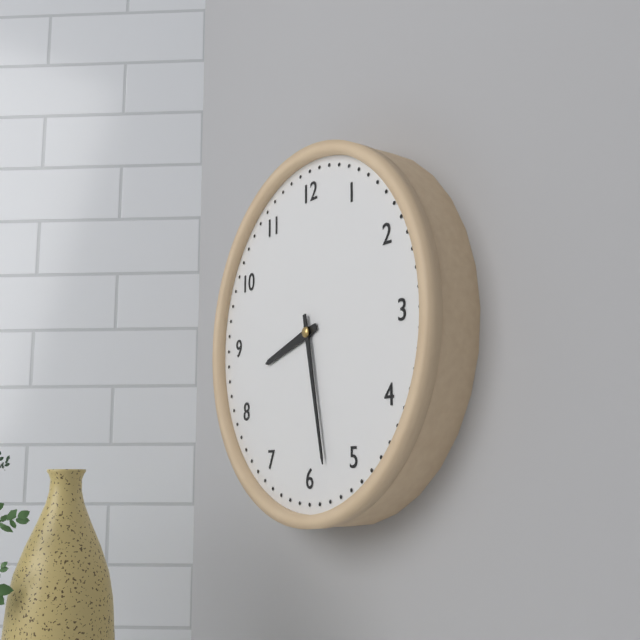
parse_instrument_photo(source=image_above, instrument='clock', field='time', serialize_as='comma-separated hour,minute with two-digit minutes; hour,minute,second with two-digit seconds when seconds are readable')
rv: 8,28
